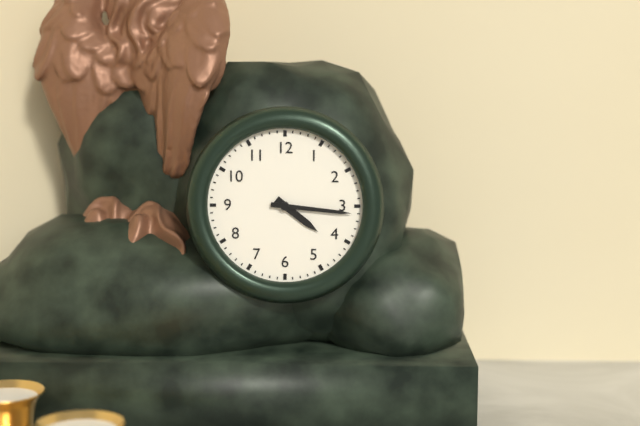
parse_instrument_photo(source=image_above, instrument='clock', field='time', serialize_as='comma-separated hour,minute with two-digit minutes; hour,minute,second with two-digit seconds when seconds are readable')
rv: 4,16
